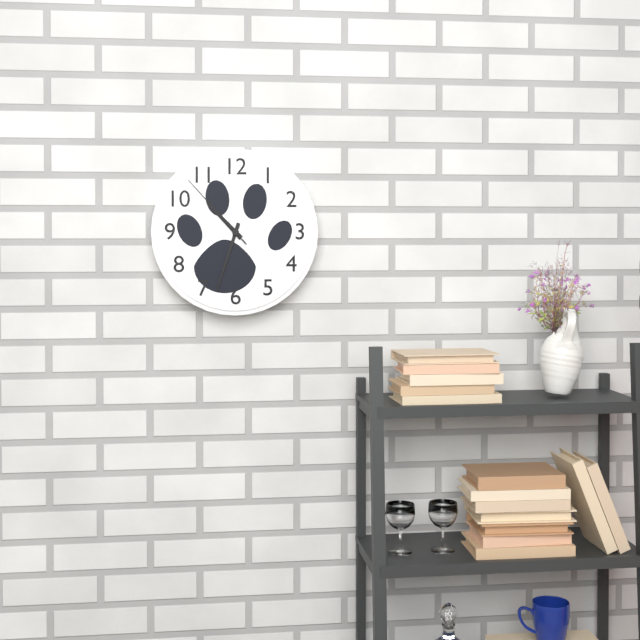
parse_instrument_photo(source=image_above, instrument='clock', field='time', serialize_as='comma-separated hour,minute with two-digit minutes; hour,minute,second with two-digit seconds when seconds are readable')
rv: 10,33,53
